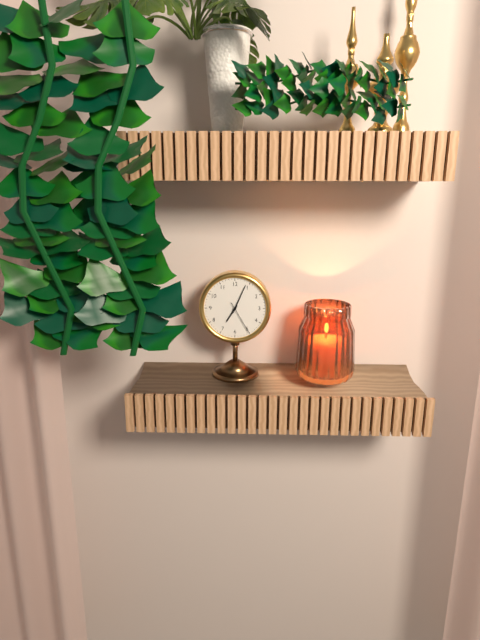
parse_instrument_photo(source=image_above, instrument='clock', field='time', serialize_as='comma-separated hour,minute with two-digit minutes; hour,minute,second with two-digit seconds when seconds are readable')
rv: 7,04
